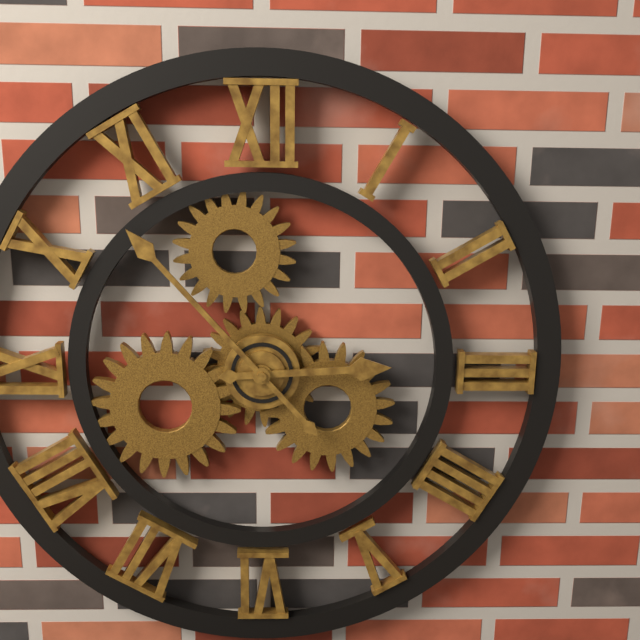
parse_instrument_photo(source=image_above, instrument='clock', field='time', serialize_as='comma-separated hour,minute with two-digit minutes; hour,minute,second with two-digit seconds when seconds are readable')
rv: 2,53
